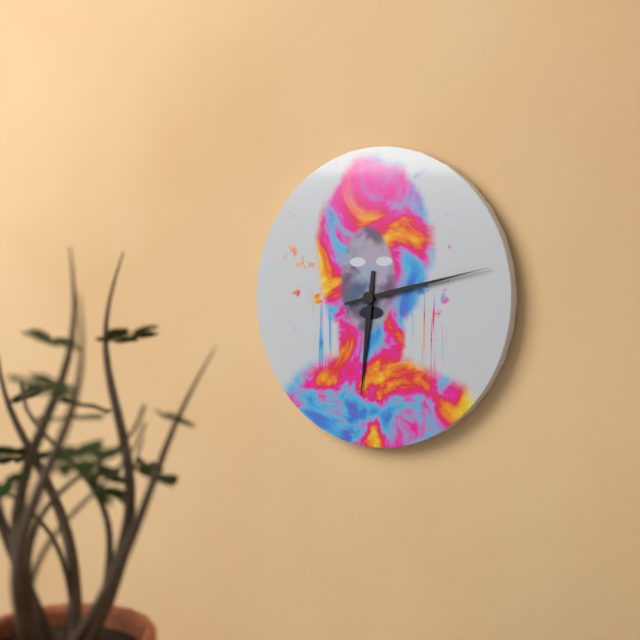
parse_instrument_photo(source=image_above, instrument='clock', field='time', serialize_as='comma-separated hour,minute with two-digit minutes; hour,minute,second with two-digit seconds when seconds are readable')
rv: 6,13
